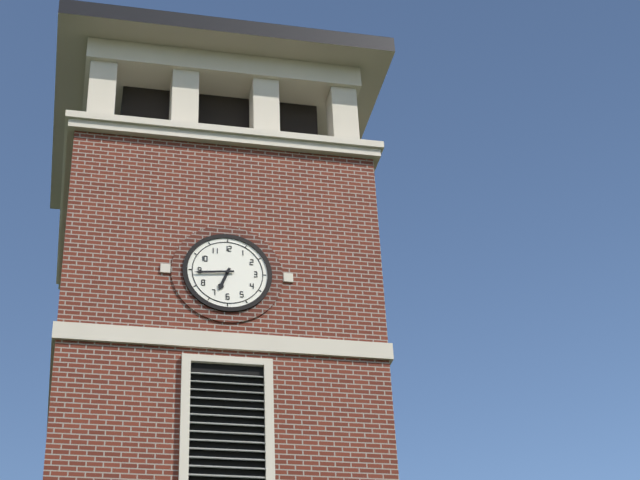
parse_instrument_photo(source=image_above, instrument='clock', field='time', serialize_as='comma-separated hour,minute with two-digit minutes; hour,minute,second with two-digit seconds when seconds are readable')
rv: 6,44
